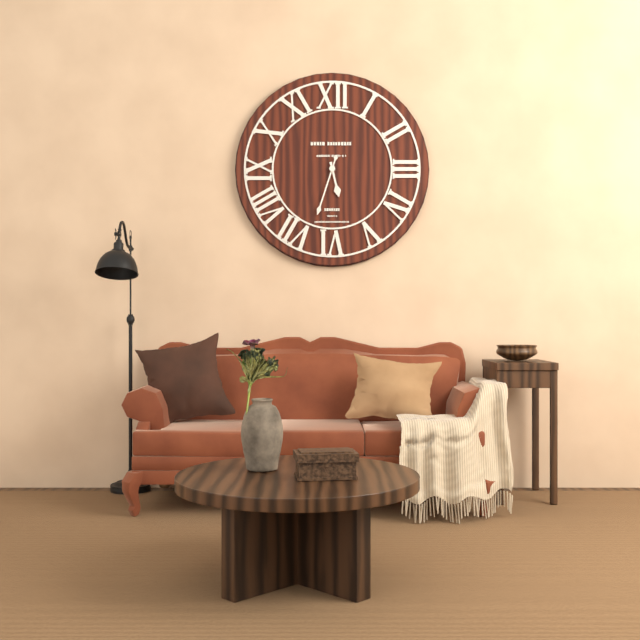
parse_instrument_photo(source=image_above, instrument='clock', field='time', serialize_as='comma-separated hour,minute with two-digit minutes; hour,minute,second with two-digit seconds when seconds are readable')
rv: 5,33
